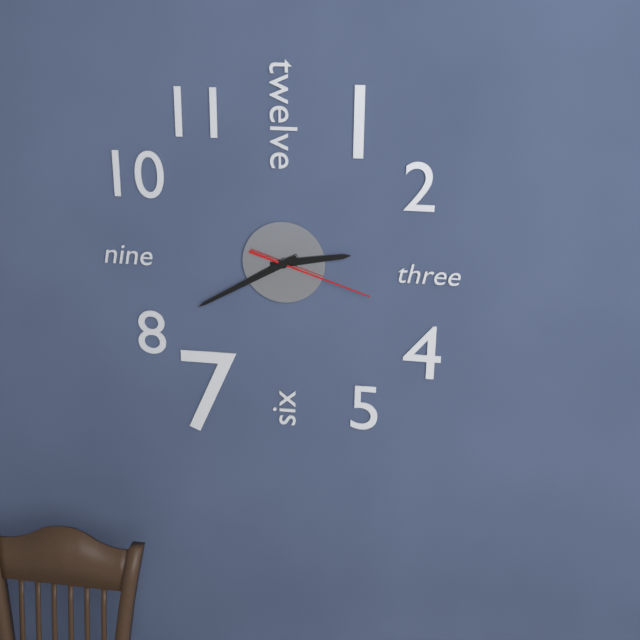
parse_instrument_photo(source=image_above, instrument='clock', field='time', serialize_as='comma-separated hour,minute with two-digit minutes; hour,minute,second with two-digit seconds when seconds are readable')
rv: 2,40,18
